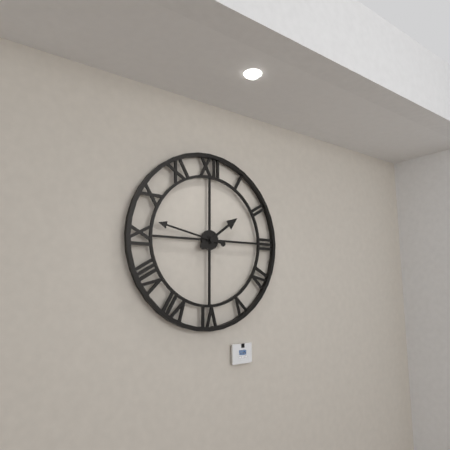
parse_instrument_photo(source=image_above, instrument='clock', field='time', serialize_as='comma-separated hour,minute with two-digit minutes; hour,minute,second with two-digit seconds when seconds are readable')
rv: 1,47
